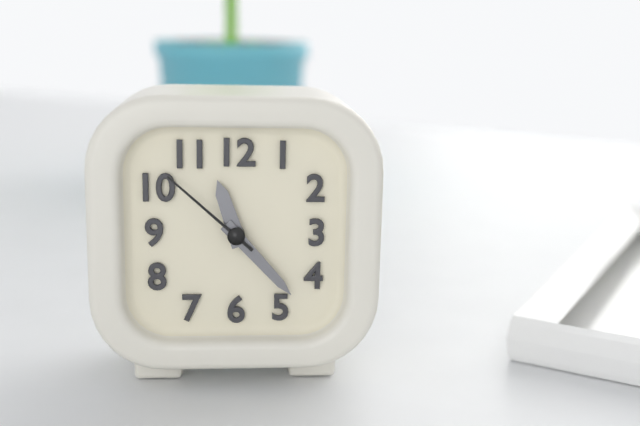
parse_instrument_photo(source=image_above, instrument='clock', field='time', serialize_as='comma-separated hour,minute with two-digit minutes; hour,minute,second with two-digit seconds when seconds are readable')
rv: 11,23,52
